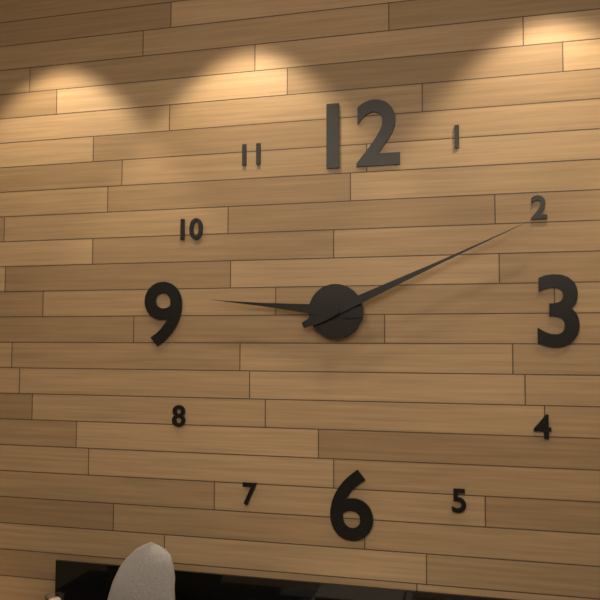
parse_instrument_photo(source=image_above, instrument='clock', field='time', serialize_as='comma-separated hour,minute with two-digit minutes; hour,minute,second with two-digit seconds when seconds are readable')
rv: 9,11
